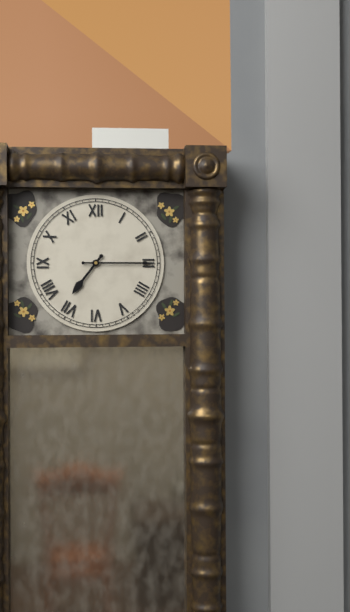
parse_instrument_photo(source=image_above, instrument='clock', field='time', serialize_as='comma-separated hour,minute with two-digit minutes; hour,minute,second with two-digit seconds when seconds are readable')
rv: 7,15
